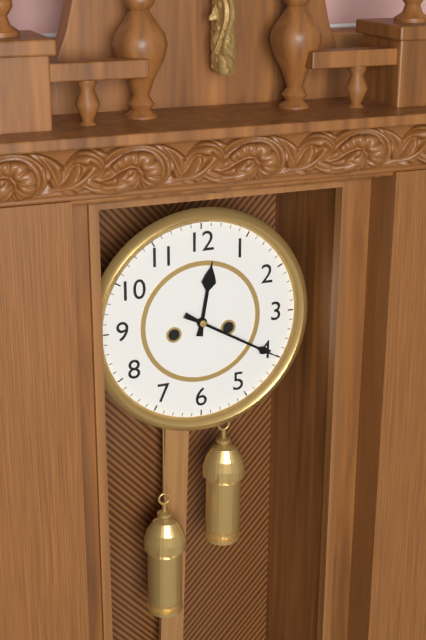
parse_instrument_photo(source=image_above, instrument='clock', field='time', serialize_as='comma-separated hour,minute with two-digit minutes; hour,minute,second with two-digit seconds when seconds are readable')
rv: 12,20
